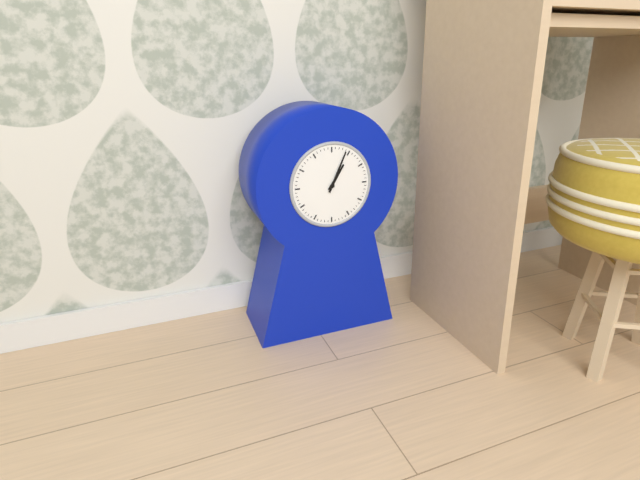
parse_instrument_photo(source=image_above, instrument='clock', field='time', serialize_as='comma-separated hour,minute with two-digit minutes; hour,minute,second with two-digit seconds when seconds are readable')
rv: 1,04
